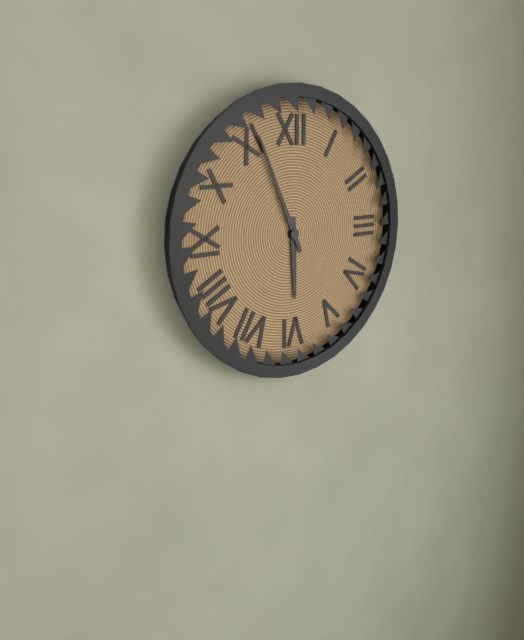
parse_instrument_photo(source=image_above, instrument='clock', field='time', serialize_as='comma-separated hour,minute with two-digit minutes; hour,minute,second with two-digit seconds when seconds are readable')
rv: 5,56
